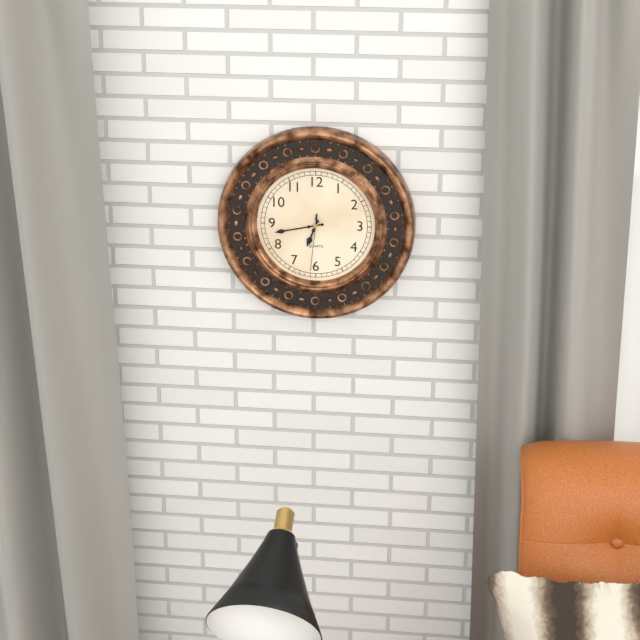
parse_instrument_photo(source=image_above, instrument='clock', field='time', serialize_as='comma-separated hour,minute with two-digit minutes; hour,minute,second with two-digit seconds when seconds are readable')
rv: 6,43,31
